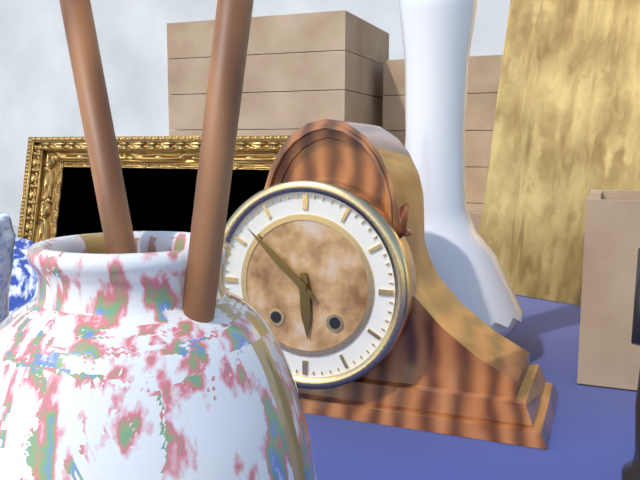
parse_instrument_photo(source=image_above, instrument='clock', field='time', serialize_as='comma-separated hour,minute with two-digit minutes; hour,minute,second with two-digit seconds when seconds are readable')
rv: 5,52
